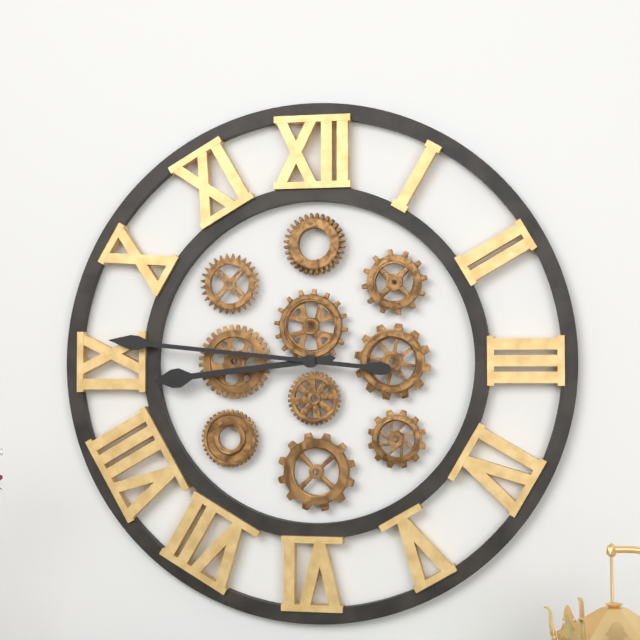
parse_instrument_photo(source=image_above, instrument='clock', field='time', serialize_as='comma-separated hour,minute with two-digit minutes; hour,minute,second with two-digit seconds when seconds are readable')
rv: 8,46
